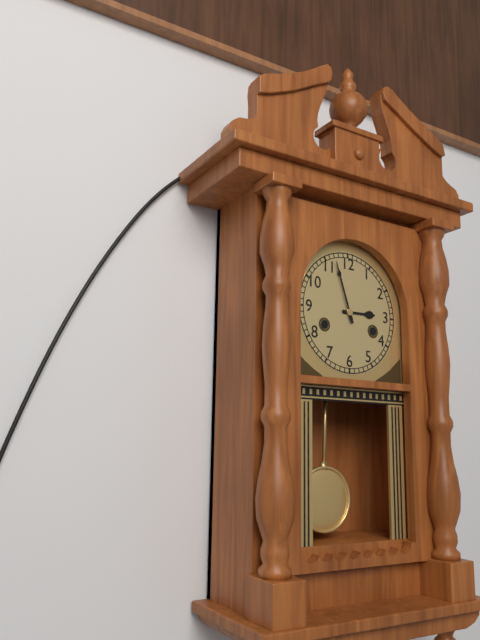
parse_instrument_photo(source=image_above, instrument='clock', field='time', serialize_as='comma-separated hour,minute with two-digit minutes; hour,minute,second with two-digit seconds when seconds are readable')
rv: 2,57
